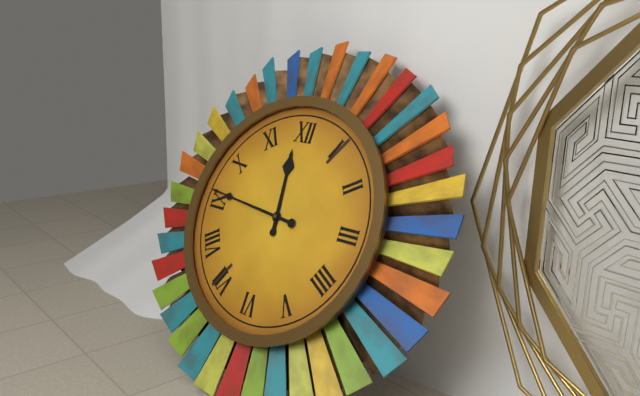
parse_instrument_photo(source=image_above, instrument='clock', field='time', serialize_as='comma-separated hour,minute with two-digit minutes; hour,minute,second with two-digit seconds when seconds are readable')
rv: 11,46
